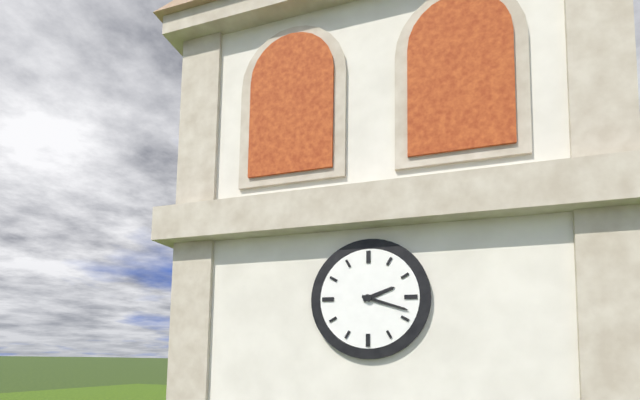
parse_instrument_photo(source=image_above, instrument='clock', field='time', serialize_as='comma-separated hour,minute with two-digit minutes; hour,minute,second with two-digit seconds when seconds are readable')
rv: 2,18
